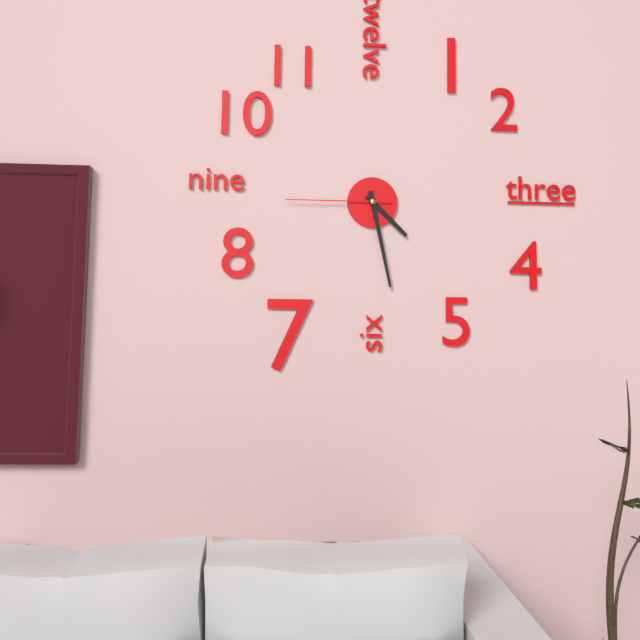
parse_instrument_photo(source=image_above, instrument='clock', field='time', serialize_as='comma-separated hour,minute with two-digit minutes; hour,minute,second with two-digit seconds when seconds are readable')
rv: 4,28,45
